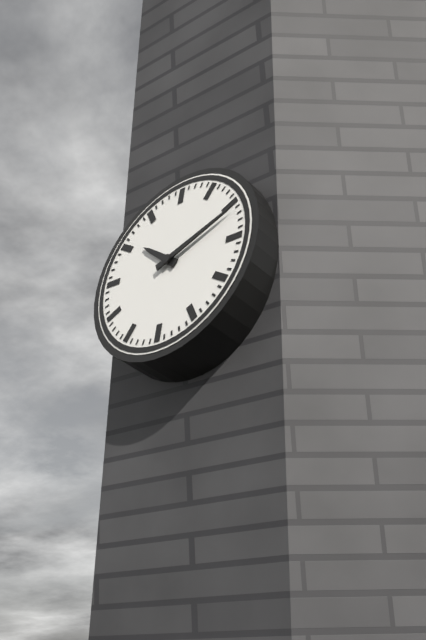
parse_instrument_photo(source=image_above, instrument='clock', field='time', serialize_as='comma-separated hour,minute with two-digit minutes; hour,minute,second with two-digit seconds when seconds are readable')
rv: 10,11
